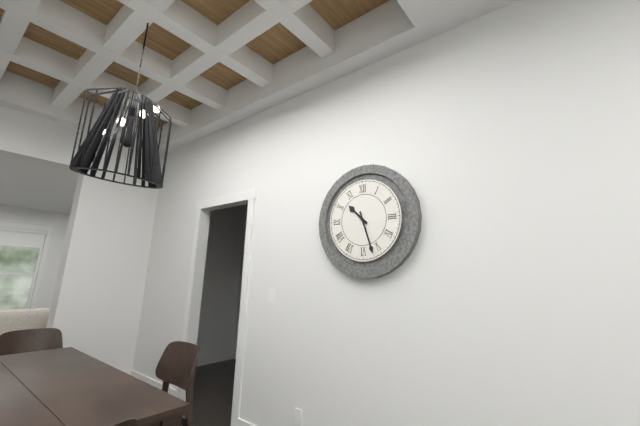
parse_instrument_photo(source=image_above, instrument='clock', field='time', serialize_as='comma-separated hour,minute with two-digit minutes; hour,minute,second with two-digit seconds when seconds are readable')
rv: 10,27
